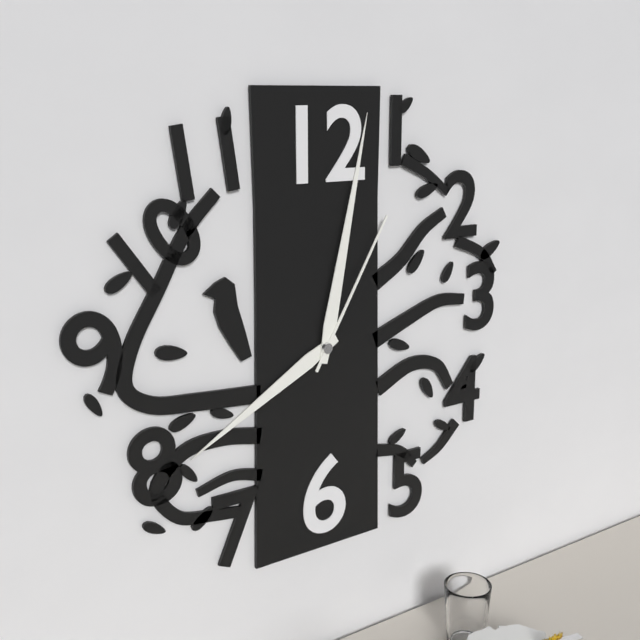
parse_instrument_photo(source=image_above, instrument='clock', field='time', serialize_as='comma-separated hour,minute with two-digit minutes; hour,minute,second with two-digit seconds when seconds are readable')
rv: 8,02,05
